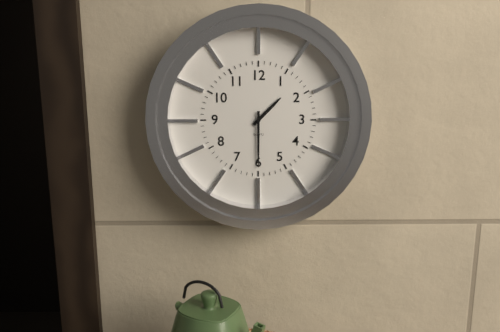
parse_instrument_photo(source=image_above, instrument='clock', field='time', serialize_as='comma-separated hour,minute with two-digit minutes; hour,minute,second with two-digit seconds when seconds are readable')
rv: 1,30
